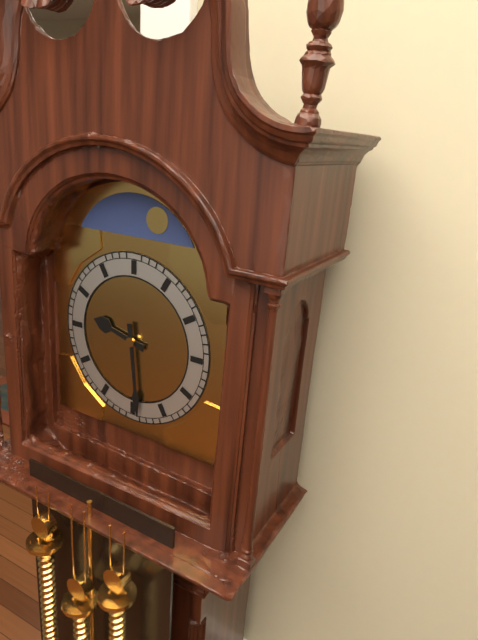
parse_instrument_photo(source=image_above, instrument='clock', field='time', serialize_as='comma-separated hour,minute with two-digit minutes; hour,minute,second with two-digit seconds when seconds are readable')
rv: 9,29
